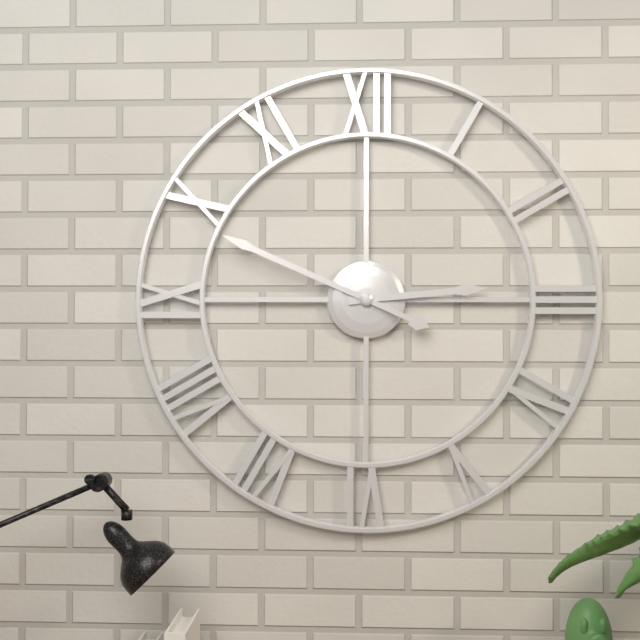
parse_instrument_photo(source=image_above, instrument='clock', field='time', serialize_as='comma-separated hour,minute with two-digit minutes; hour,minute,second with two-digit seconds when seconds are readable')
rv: 2,49
